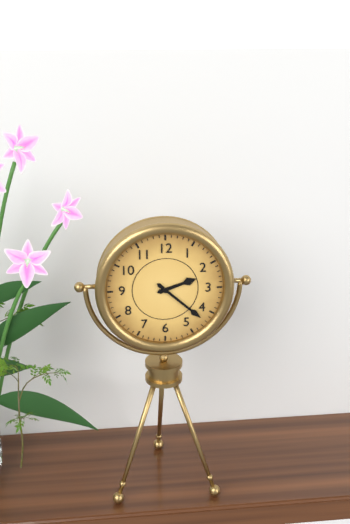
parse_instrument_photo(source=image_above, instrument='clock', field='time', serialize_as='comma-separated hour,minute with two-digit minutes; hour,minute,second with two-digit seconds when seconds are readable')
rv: 2,22
